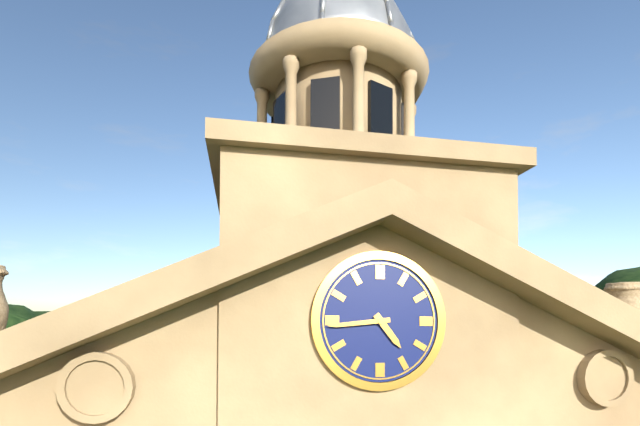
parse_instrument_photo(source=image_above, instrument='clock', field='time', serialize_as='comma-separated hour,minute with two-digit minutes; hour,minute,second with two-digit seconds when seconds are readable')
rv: 4,44
